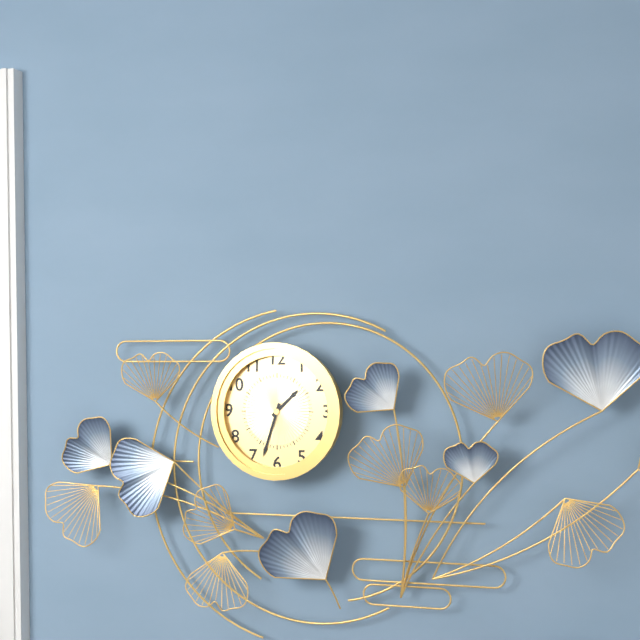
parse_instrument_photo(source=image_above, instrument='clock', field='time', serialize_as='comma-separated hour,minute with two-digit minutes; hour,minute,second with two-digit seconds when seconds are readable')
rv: 1,33
